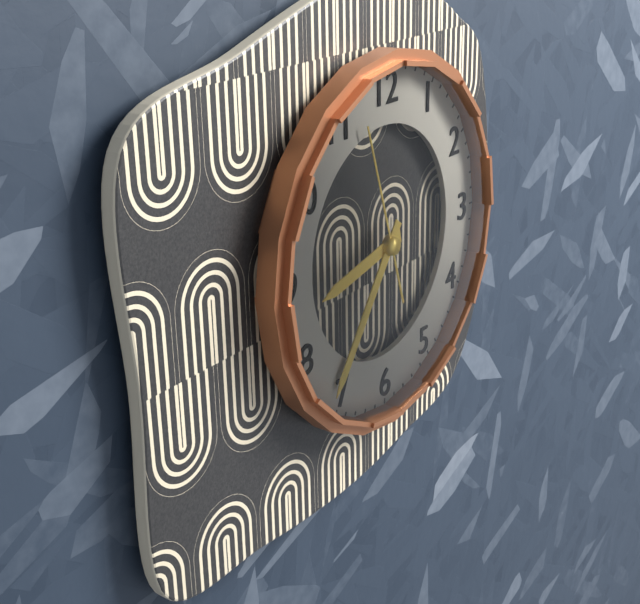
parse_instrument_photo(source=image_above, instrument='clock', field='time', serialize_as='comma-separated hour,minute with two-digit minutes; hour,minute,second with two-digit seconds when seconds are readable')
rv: 8,36,57
